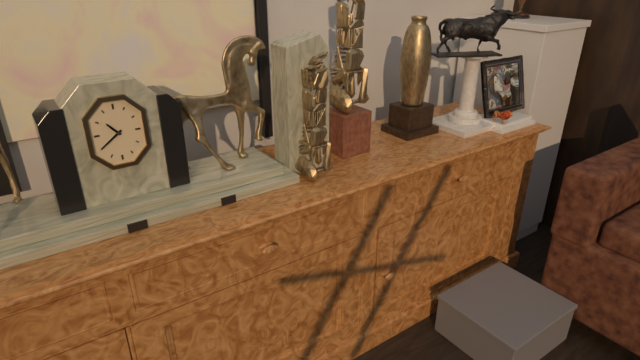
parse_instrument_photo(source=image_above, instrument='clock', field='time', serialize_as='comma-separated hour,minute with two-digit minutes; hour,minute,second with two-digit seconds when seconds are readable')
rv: 10,39
